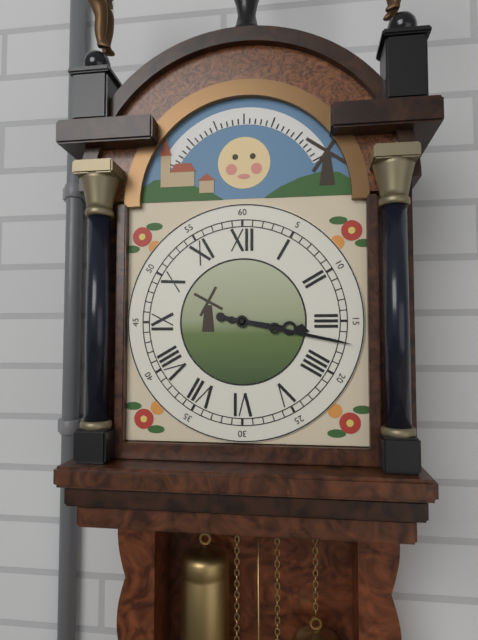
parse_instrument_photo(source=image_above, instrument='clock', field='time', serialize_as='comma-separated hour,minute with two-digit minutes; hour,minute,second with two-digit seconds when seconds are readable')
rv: 3,17
